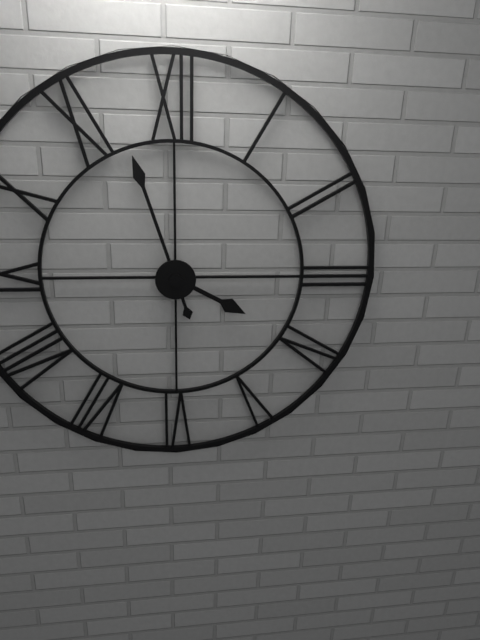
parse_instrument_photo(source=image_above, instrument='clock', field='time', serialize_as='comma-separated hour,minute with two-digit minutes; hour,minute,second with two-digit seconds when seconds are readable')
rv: 3,57
